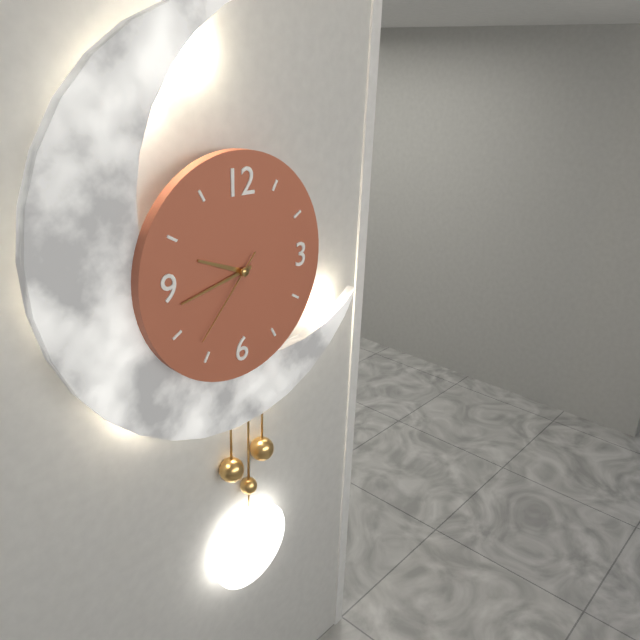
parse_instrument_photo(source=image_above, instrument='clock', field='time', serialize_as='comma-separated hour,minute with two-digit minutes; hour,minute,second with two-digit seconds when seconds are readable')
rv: 9,43,37
